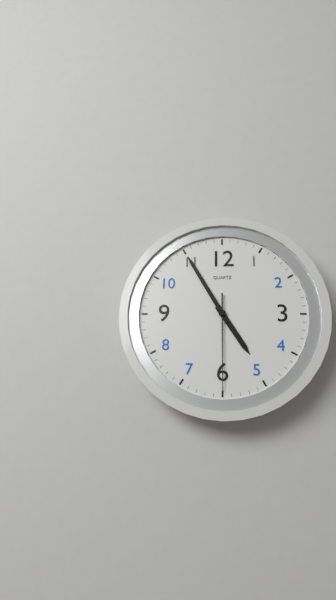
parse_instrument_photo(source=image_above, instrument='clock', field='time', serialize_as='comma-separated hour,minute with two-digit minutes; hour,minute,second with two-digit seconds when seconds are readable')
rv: 4,55,30
